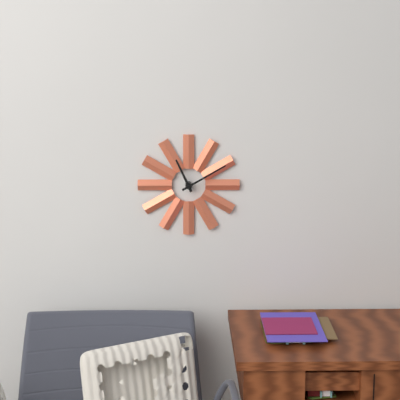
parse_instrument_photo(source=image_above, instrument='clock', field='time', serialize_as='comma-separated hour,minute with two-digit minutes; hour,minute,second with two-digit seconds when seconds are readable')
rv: 11,10
